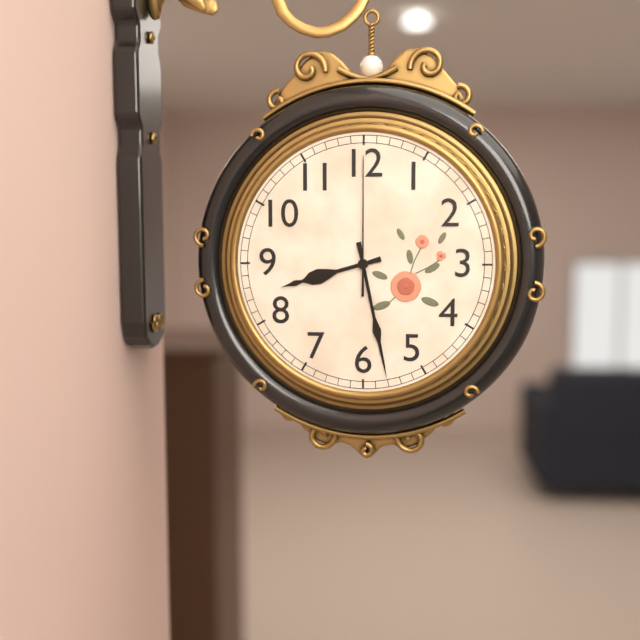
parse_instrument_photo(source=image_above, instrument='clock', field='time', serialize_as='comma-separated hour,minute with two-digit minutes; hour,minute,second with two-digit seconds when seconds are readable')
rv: 8,28,00
